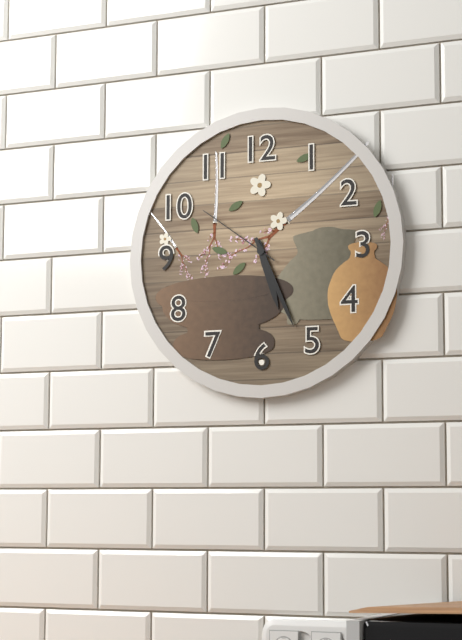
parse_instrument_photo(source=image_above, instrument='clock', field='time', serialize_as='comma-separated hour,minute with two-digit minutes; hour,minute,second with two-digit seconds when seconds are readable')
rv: 5,26,51
